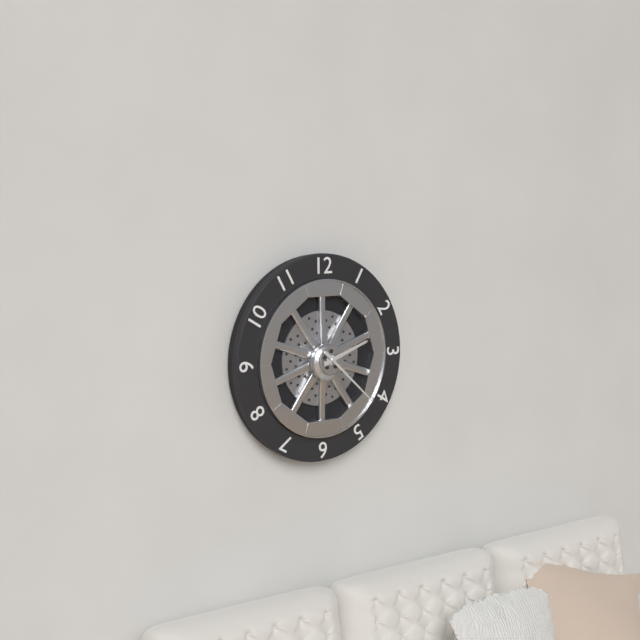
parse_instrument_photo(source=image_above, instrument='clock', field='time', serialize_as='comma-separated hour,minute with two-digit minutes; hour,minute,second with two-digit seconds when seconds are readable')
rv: 2,22
